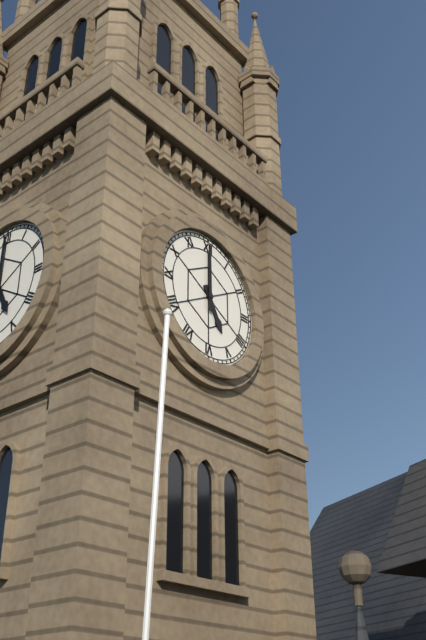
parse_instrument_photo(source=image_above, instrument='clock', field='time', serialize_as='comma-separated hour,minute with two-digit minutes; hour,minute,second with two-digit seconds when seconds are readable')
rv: 5,00
